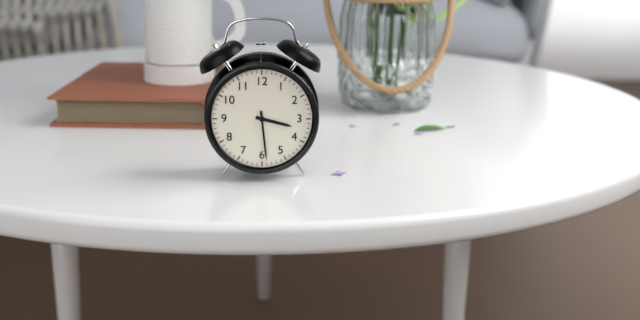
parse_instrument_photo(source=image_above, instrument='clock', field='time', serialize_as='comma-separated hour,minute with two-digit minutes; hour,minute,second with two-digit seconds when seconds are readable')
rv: 3,29
